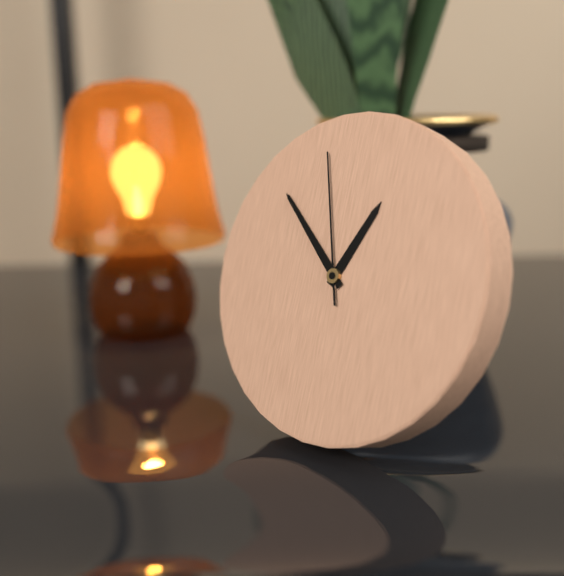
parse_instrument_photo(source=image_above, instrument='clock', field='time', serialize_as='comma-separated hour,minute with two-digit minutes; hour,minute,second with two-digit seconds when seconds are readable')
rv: 12,52,57
